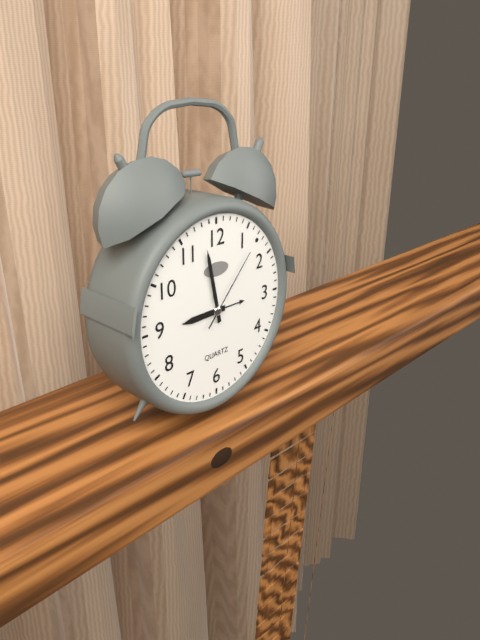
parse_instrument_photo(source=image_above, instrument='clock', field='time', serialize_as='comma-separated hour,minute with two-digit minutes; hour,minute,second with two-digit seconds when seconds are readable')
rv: 8,58,07
